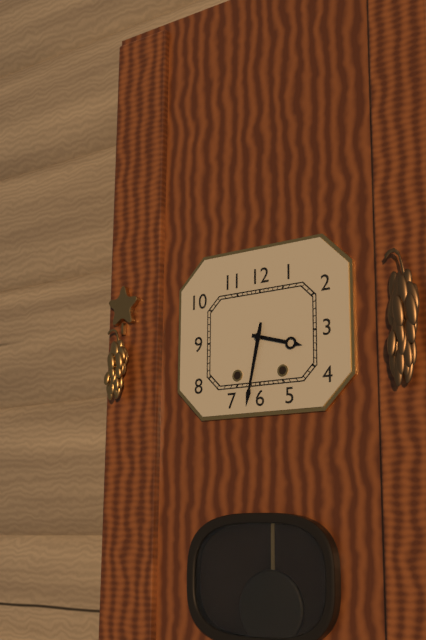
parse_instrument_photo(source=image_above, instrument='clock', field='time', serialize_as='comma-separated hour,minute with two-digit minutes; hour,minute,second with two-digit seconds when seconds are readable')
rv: 3,32
